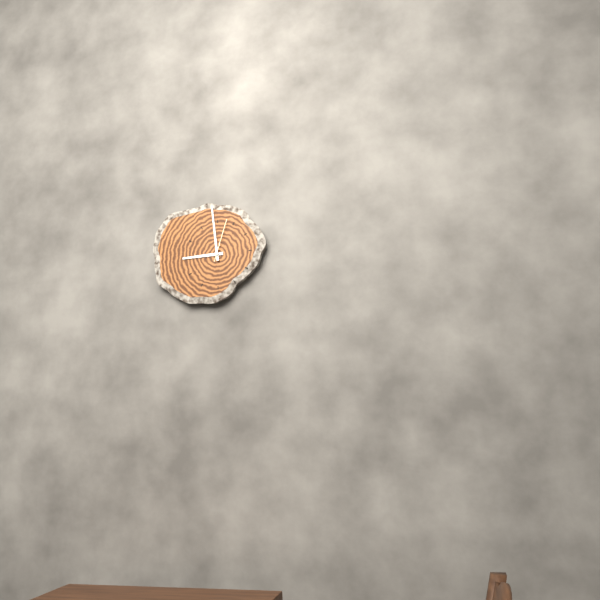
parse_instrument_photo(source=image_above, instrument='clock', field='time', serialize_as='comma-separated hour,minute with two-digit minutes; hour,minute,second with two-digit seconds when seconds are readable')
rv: 8,59
